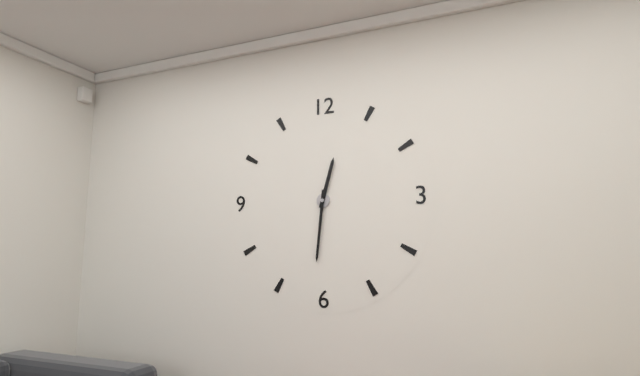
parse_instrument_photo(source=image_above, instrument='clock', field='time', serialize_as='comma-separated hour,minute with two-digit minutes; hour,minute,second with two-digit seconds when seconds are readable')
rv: 12,31
